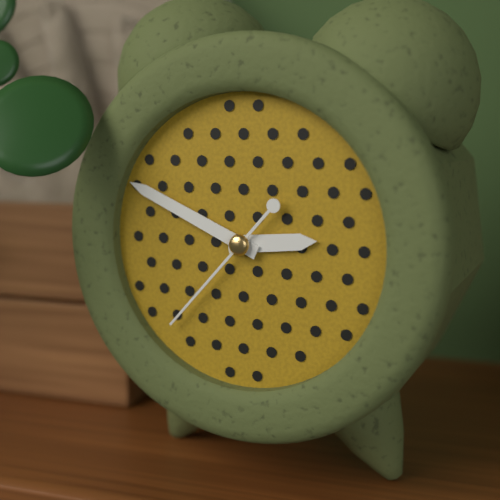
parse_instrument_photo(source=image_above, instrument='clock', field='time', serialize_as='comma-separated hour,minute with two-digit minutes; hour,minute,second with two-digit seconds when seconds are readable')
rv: 2,49,37
